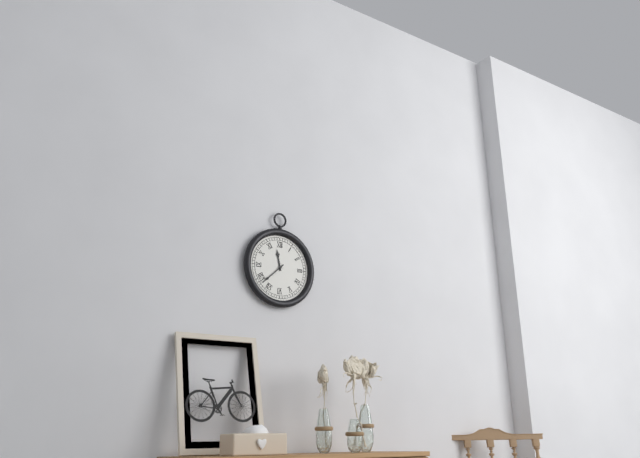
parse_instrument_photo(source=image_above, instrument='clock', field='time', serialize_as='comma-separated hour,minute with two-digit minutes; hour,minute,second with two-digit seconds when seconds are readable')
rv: 11,38
